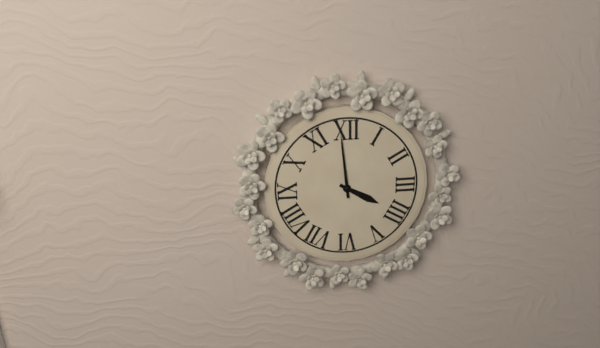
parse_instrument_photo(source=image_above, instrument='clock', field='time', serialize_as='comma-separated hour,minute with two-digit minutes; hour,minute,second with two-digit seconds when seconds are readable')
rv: 3,59
